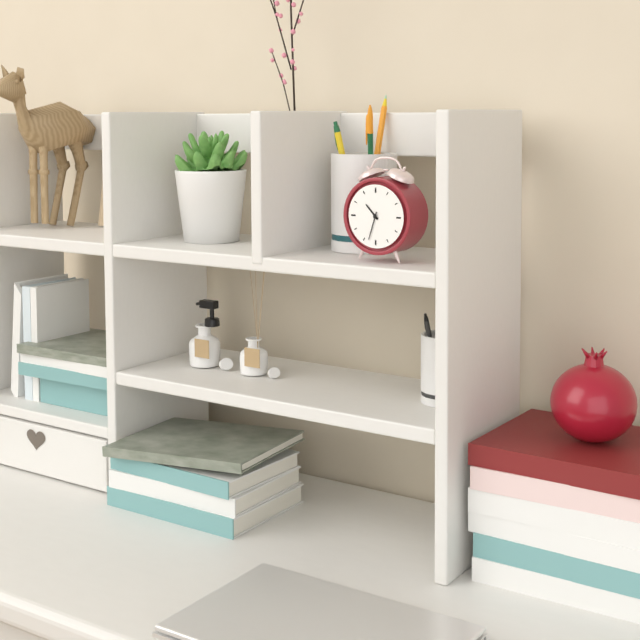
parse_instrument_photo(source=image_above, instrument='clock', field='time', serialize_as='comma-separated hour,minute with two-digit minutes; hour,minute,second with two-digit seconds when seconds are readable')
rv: 10,33
